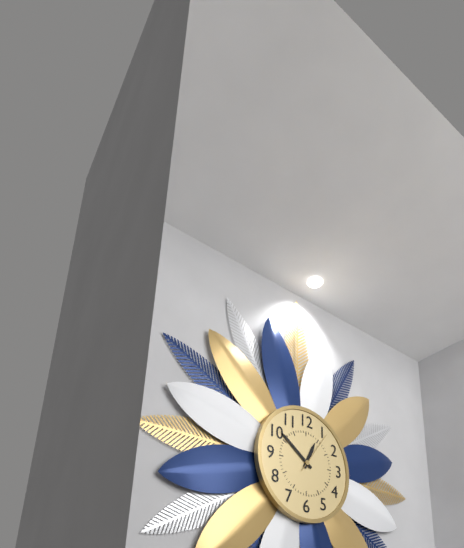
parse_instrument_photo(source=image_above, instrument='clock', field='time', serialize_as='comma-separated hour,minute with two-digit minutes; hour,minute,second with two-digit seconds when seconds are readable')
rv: 12,51,06
